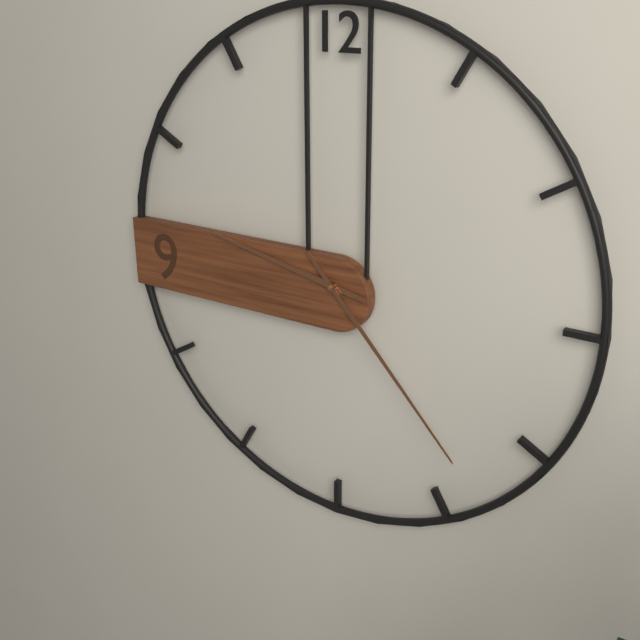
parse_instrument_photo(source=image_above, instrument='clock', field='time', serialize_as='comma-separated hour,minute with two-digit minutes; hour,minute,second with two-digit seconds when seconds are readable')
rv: 9,23
